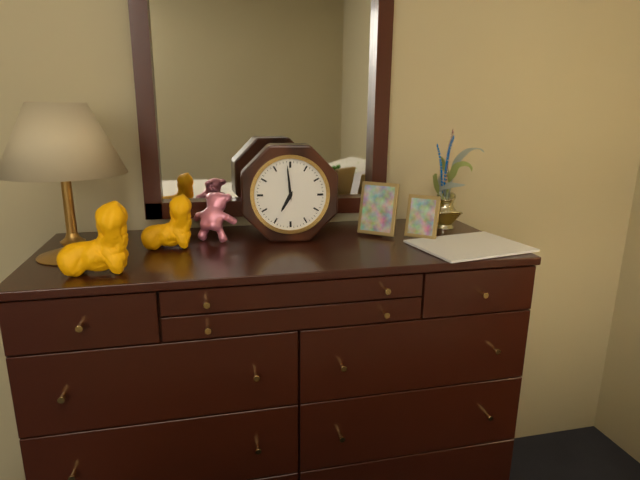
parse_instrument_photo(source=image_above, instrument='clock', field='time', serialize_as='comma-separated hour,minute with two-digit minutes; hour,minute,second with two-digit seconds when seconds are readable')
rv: 6,59
